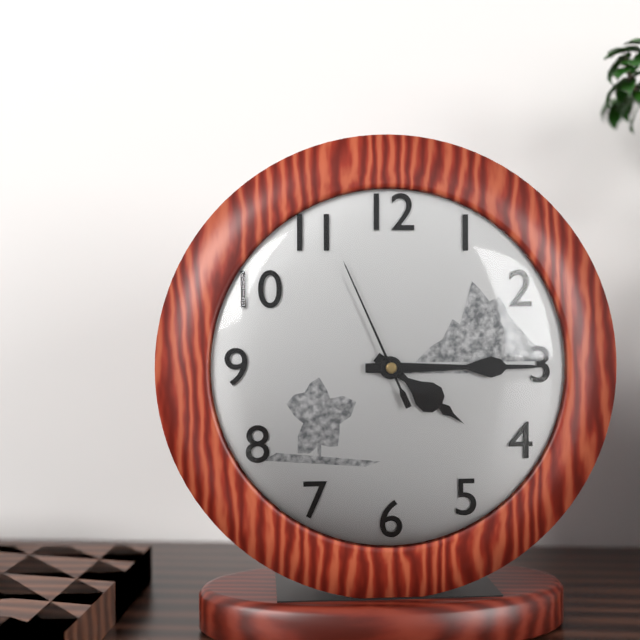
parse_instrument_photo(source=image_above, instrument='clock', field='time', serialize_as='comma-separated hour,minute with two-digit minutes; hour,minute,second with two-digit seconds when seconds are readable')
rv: 4,15,56
